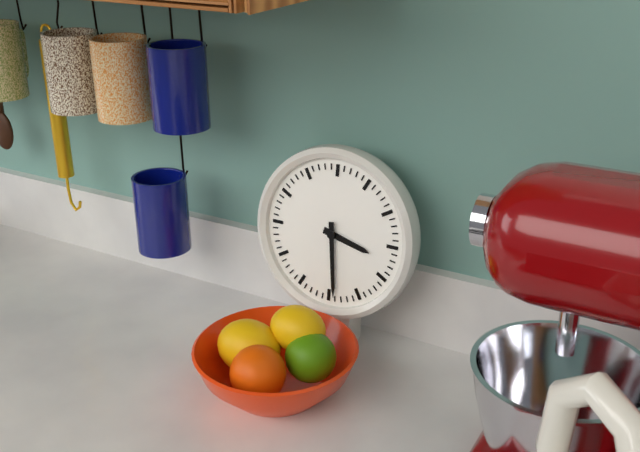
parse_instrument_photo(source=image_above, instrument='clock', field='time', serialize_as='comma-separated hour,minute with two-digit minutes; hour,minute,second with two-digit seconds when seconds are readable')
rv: 3,29
